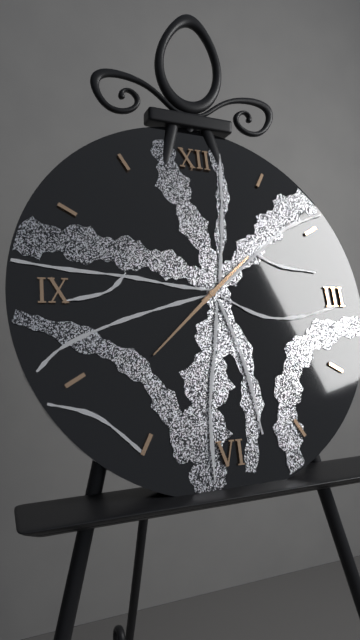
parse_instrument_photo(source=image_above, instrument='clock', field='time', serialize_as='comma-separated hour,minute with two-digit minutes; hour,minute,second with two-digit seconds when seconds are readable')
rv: 1,38
